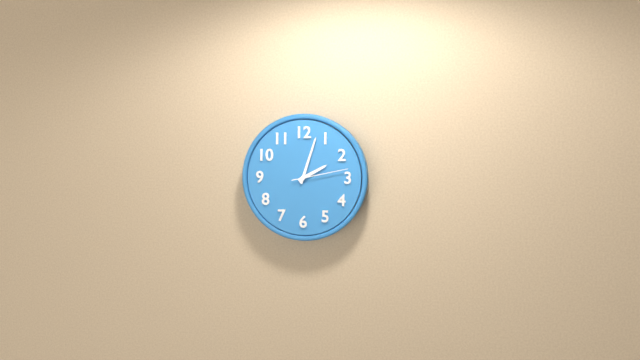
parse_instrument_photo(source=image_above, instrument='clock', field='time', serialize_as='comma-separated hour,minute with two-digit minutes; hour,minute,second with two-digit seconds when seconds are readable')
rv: 2,03,13
